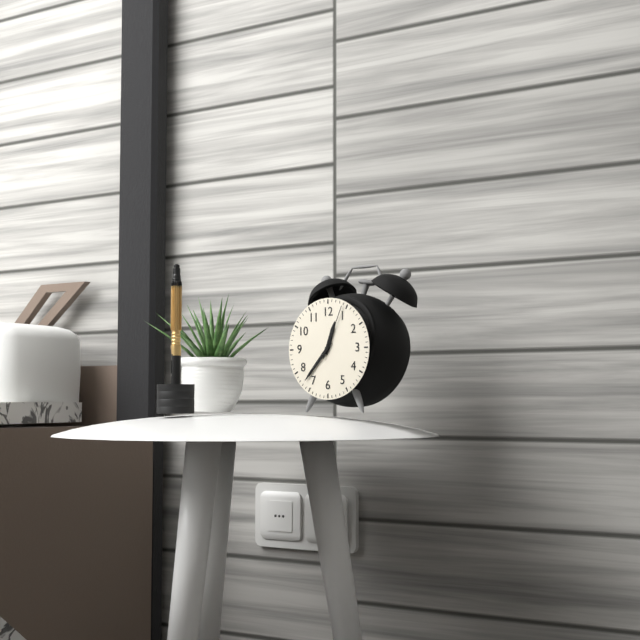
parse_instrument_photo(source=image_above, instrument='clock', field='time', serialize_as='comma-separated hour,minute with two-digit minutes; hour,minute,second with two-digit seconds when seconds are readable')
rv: 12,37,04
